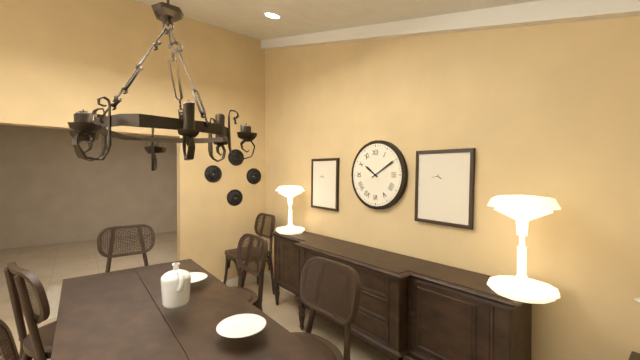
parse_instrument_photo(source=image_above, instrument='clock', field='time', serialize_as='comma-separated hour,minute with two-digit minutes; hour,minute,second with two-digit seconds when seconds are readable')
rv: 10,10
